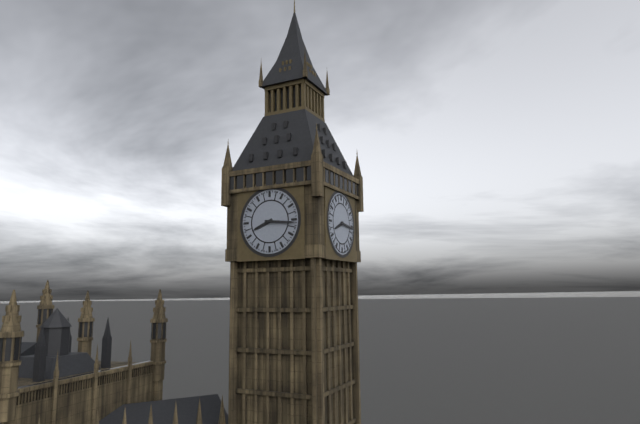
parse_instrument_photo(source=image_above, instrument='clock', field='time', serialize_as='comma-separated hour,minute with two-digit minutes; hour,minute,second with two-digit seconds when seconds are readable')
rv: 8,16
